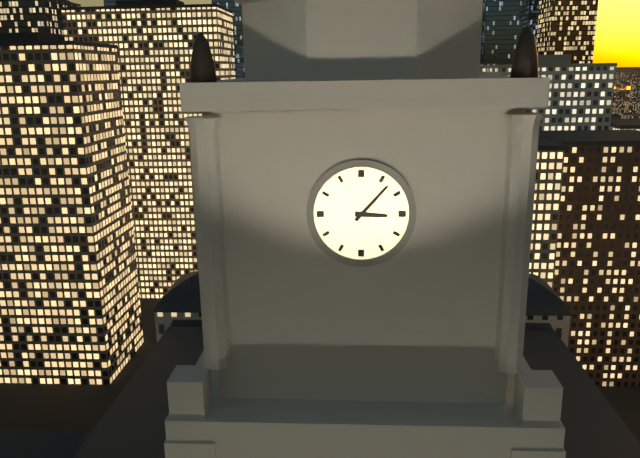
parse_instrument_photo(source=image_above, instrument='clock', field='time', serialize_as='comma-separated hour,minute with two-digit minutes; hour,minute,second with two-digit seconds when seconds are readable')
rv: 3,07
